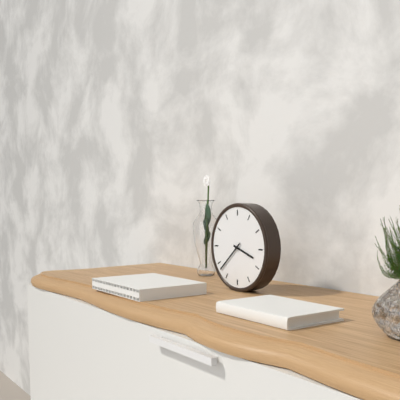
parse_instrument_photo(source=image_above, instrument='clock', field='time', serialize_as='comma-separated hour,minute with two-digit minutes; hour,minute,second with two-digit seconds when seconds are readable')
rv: 3,38
